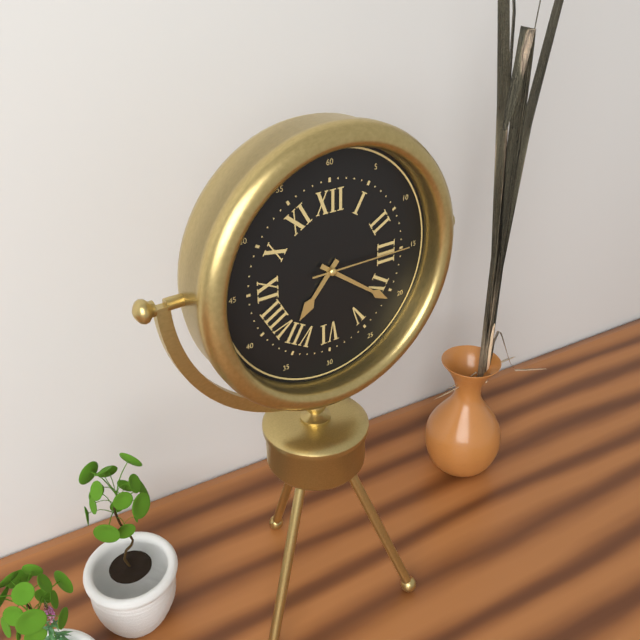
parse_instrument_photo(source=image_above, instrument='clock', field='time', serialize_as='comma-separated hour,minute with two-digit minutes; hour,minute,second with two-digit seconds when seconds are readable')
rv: 7,21,15
